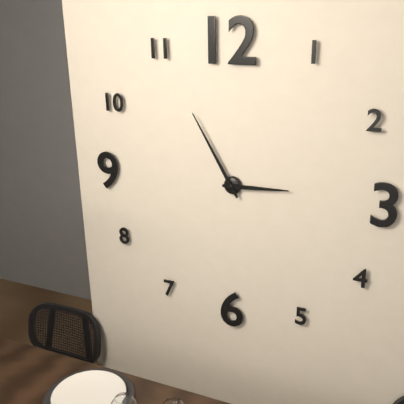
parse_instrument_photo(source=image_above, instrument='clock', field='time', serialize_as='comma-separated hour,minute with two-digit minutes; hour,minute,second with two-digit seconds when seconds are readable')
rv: 2,55
